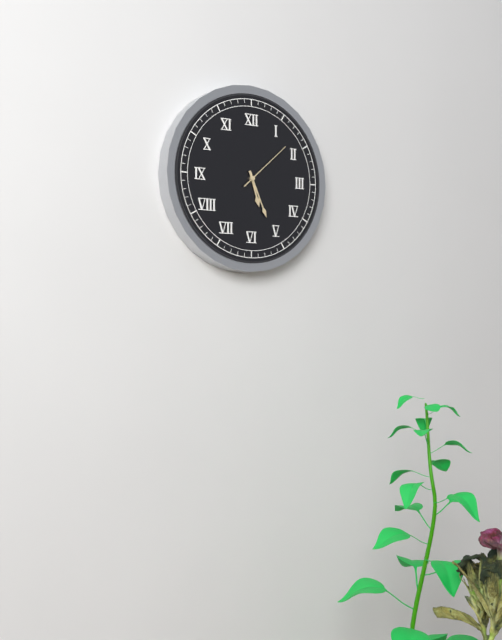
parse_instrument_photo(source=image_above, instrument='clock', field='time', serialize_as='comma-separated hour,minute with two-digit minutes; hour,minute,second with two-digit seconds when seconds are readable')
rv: 5,26,08
